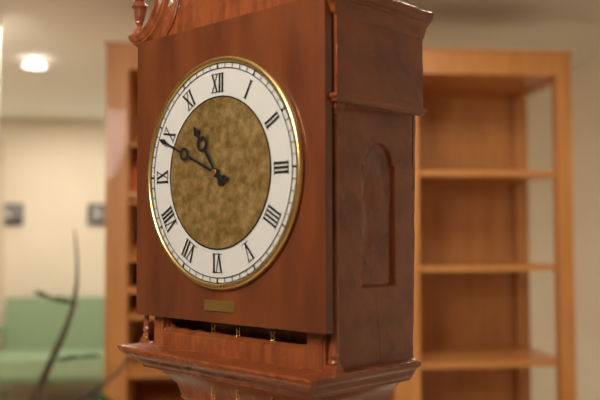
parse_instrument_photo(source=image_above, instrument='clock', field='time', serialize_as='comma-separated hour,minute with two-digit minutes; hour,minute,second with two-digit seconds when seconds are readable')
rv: 10,49
